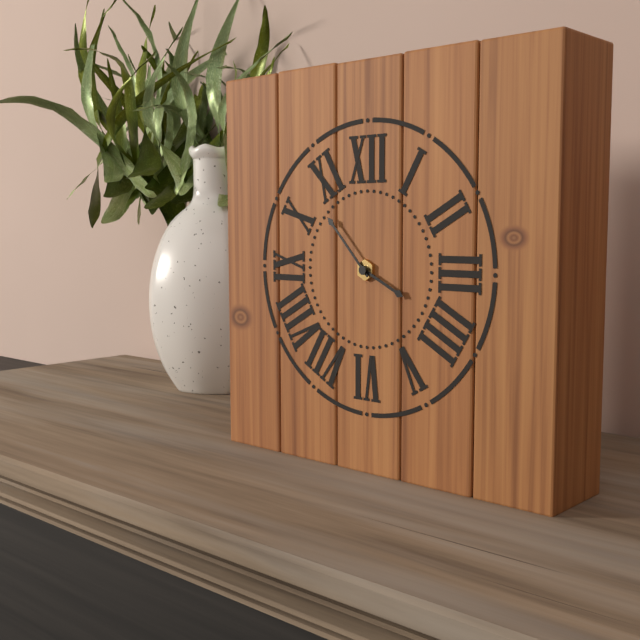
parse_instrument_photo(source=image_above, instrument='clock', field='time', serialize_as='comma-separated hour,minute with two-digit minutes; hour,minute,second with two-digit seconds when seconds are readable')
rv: 3,53
